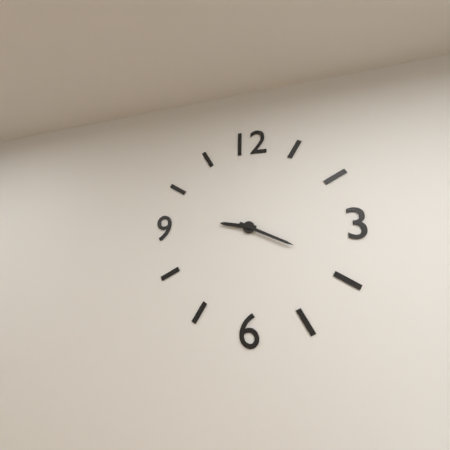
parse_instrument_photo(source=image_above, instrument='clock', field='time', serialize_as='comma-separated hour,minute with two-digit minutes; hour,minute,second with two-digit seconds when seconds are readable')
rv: 9,19
